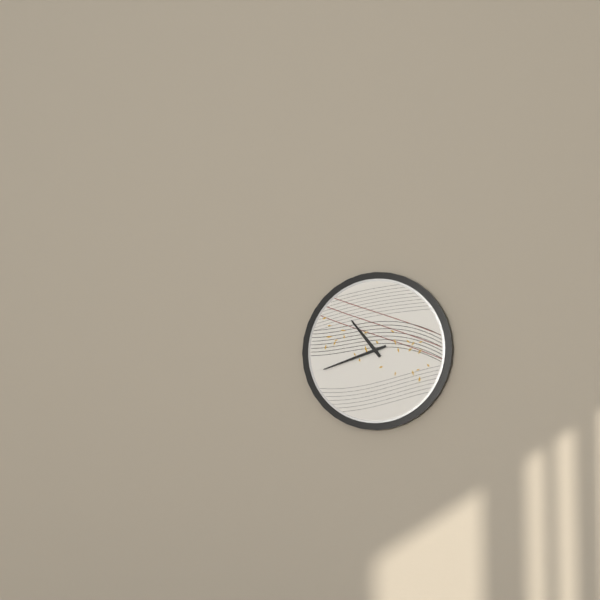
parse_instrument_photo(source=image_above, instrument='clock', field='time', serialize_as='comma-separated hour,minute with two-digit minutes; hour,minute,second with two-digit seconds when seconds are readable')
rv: 10,42
